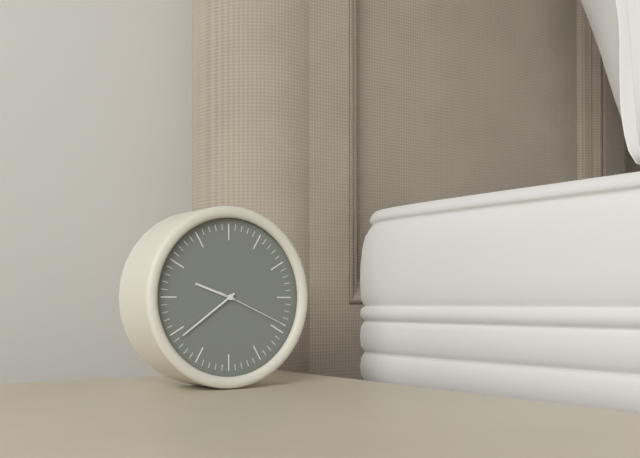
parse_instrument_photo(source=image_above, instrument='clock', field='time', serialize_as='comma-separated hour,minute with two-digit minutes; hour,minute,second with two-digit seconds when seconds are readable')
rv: 9,39,19
